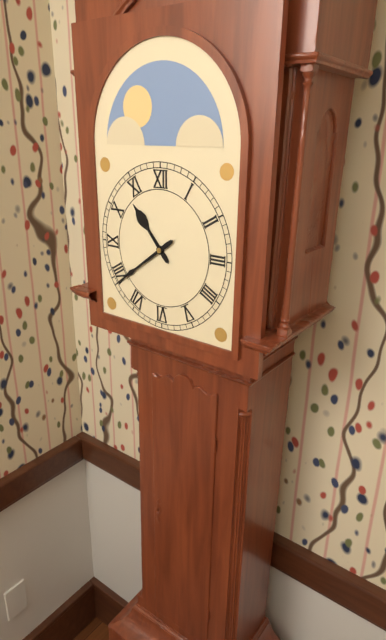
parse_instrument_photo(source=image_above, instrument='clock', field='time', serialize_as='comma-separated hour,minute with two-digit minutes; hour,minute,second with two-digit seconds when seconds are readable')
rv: 10,39
